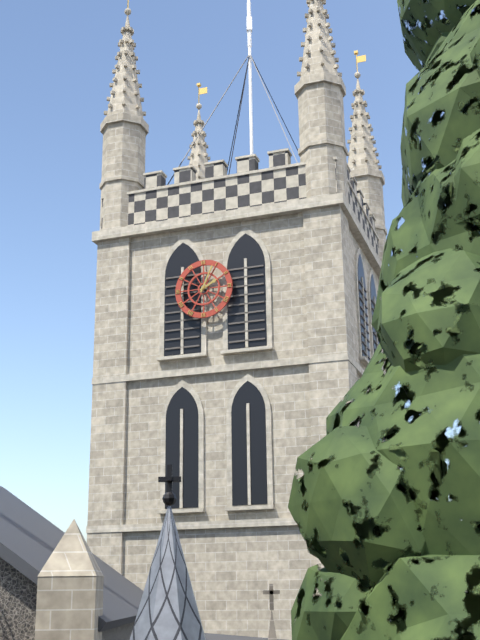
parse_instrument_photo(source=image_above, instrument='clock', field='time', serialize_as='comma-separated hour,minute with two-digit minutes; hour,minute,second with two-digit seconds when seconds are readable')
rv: 2,04
